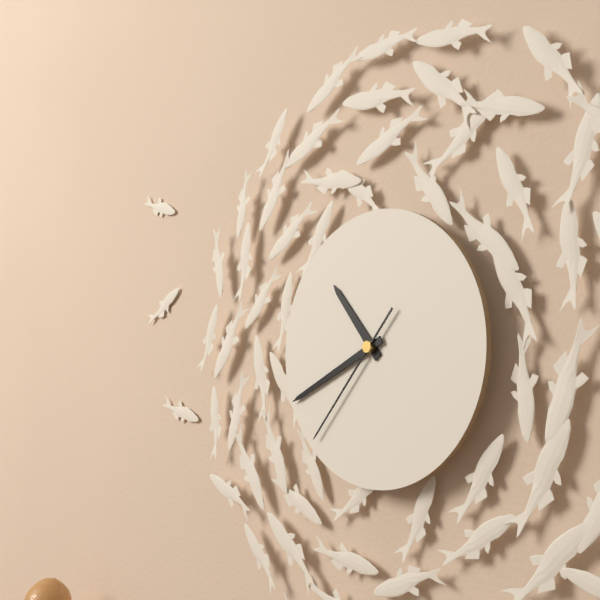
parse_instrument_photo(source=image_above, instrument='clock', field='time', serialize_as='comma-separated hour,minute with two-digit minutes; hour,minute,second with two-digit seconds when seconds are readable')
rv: 10,41,37
